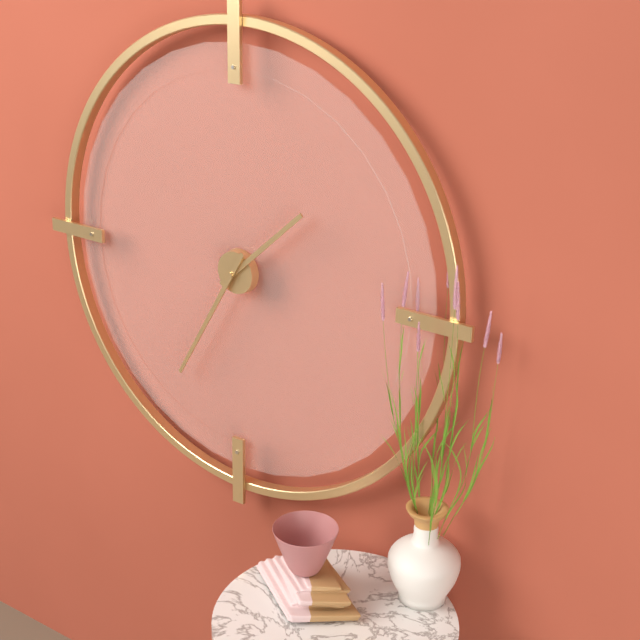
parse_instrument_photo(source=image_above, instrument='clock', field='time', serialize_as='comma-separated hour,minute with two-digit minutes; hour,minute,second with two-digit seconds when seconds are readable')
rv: 1,35
